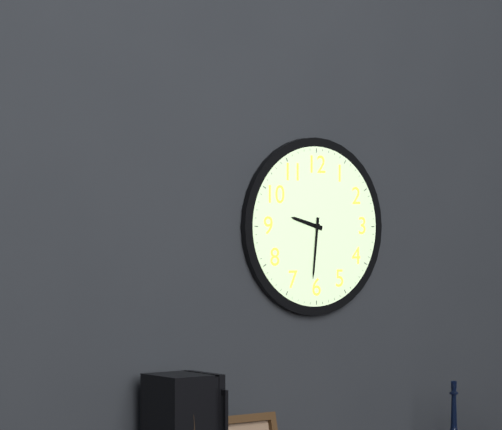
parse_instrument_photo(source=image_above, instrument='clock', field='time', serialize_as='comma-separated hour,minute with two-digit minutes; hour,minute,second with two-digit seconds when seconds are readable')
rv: 9,31
